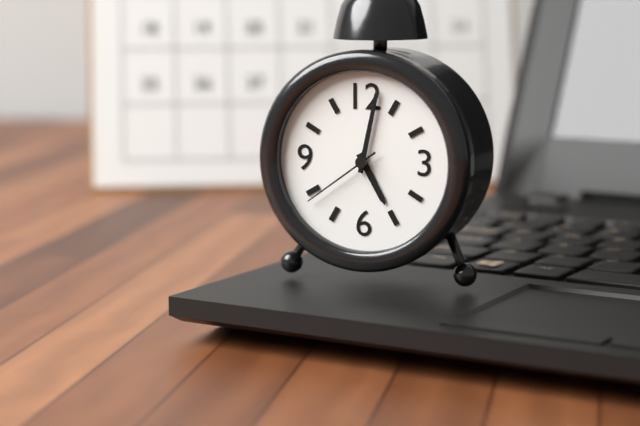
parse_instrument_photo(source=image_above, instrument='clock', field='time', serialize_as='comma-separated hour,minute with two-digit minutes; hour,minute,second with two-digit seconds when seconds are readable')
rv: 5,02,39
